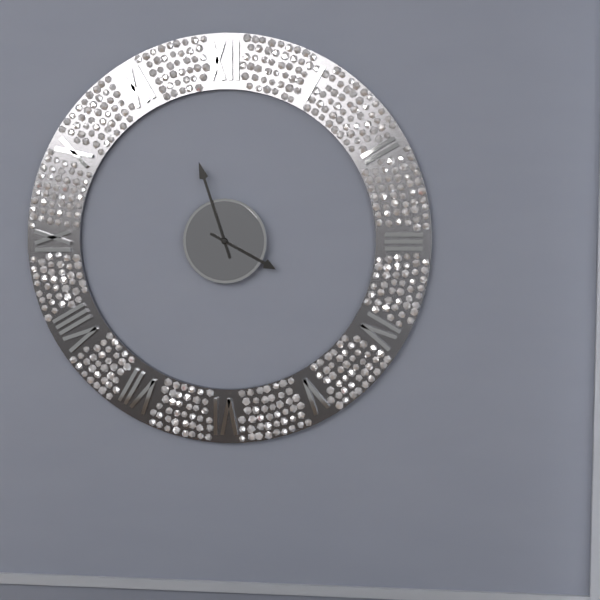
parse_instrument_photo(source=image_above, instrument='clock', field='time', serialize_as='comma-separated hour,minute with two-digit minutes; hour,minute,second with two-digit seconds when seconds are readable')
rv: 3,57
